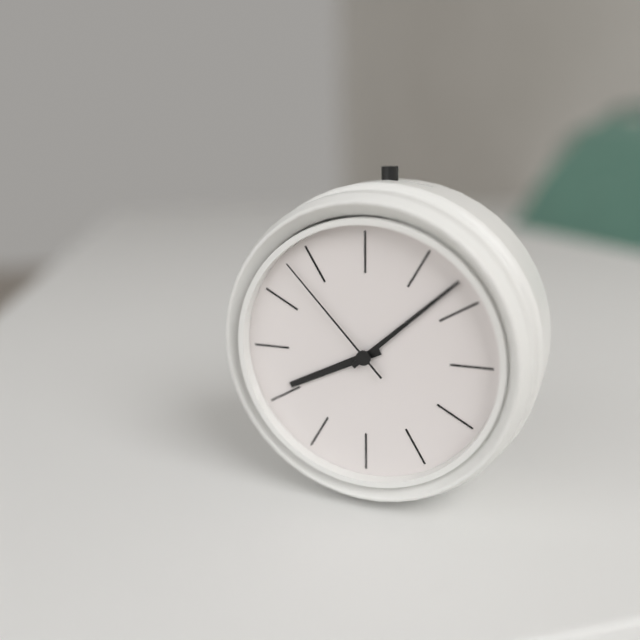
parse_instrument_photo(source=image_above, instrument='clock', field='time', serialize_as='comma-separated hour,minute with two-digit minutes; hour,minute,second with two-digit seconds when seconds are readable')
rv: 8,08,53
